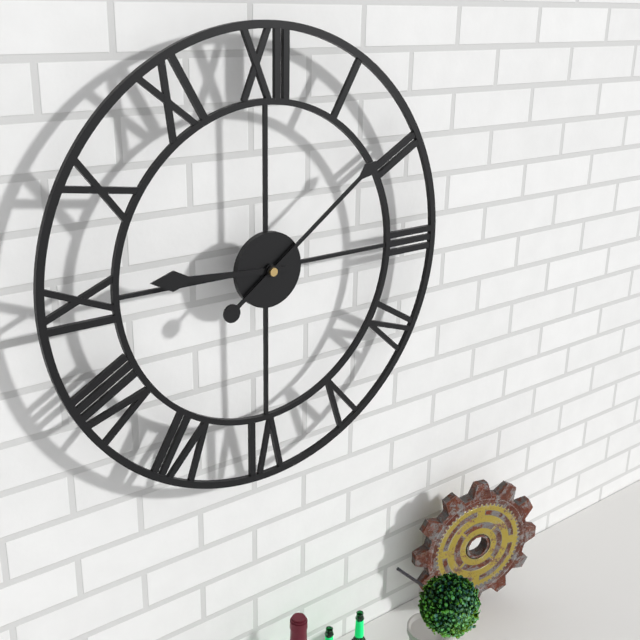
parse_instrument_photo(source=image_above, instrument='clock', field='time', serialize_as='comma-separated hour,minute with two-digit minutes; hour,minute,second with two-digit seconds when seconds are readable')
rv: 9,09
